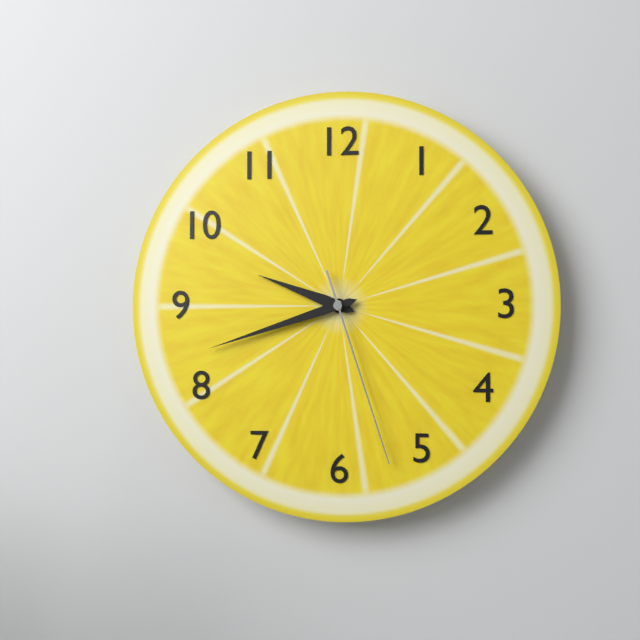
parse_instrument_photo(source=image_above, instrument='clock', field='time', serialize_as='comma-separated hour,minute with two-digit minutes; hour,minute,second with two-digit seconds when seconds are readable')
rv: 9,42,27
